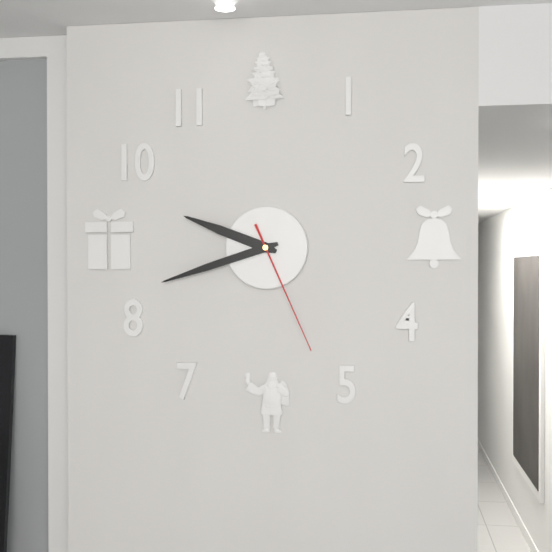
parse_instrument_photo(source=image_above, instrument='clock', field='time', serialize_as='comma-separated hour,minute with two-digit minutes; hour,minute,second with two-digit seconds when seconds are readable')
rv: 9,42,26
